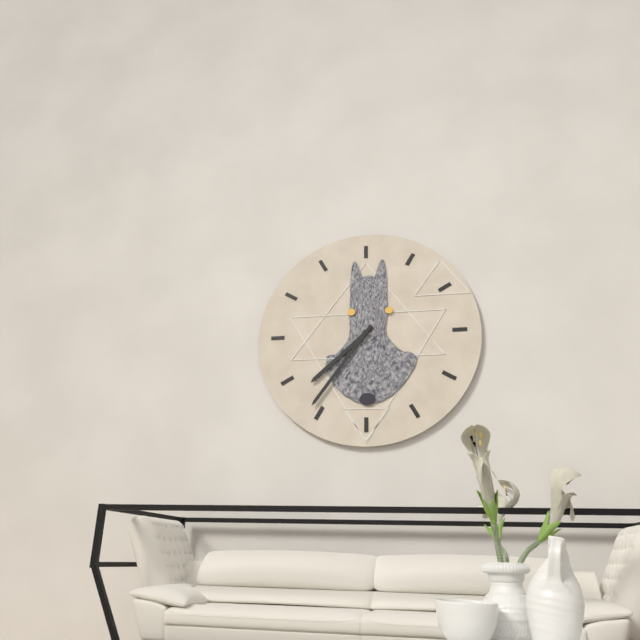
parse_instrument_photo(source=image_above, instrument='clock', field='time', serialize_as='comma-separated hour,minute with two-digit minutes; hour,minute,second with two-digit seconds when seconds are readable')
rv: 7,36
